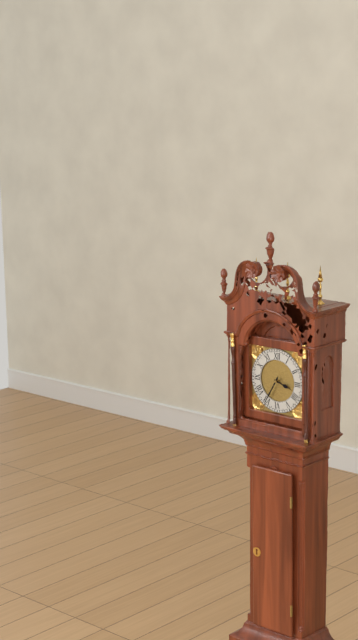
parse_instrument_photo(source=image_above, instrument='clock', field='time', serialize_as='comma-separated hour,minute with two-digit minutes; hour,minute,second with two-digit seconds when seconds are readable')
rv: 3,35
